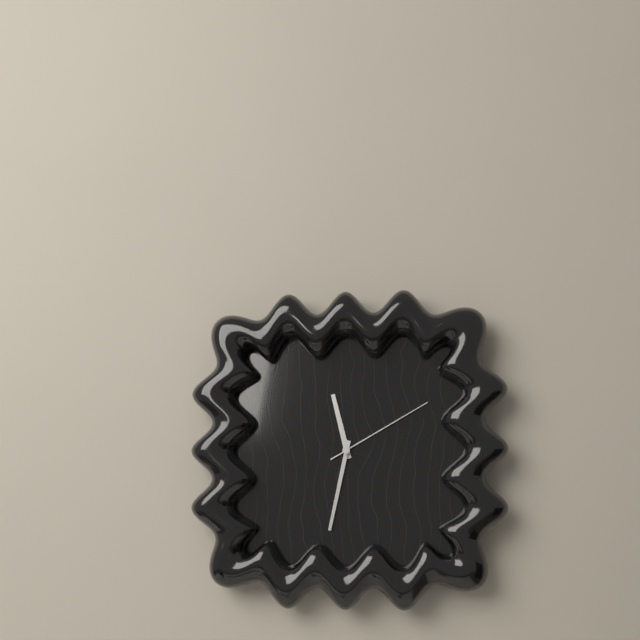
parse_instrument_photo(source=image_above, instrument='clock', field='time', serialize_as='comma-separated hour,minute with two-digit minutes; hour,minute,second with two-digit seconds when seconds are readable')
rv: 11,32,10
